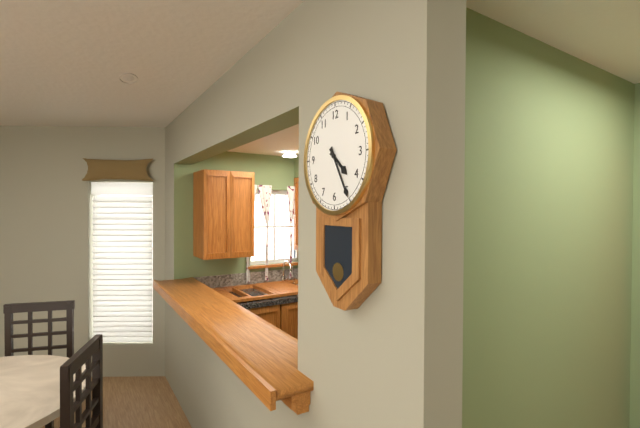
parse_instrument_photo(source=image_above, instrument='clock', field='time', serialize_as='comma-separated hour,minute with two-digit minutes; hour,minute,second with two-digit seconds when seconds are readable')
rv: 4,25
